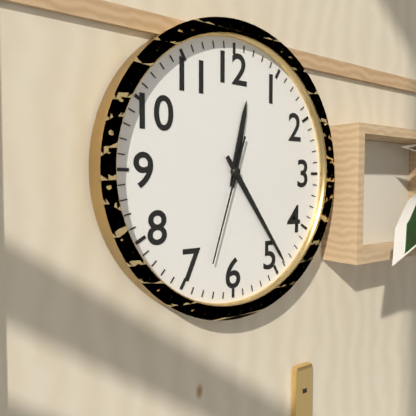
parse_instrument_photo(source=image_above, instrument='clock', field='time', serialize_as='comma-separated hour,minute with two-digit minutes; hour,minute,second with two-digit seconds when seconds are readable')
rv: 12,24,33
